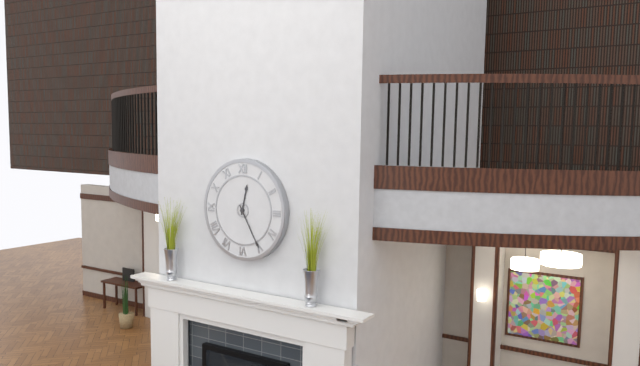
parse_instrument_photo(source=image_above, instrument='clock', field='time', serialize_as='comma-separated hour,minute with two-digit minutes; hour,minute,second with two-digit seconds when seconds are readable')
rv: 12,25
